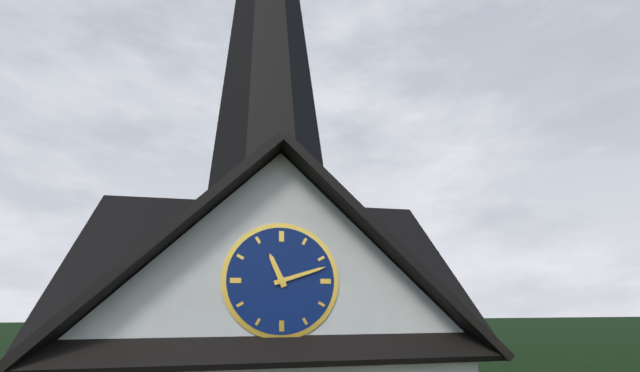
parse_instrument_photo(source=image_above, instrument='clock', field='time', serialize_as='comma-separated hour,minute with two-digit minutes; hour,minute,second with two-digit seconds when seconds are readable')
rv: 11,12
